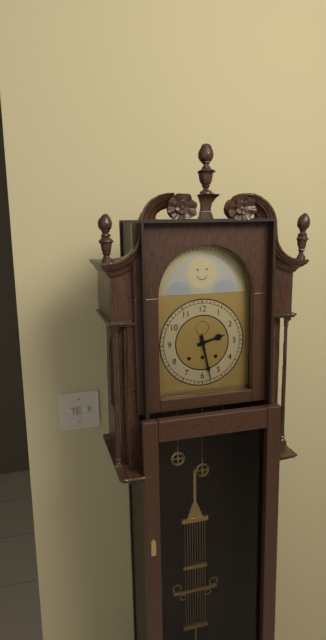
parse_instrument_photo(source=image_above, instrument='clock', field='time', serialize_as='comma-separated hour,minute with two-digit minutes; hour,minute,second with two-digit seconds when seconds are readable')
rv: 2,28
